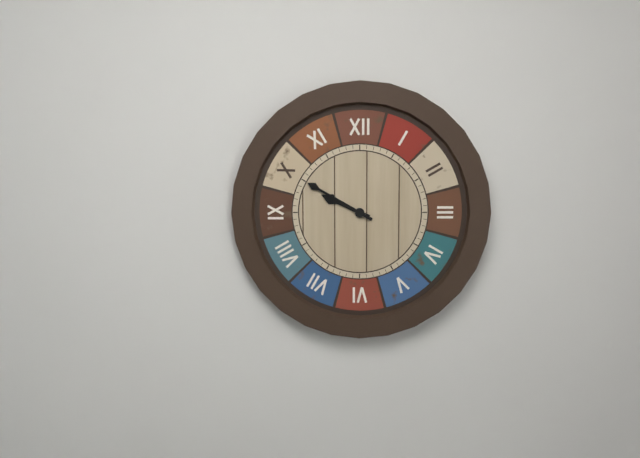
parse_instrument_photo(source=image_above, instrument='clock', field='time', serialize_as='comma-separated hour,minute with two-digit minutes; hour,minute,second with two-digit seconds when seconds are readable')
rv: 9,50
